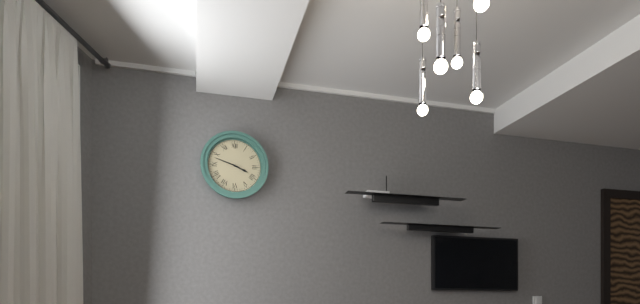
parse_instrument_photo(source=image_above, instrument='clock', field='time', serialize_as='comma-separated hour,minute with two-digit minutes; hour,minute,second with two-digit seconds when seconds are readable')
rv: 3,48
